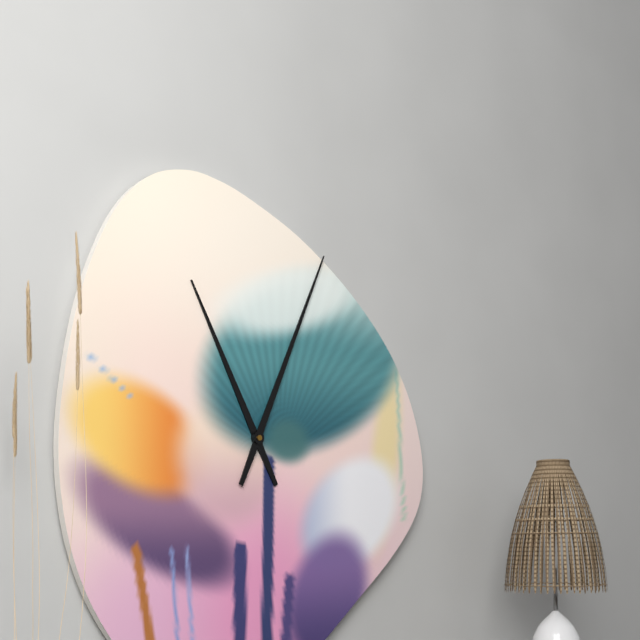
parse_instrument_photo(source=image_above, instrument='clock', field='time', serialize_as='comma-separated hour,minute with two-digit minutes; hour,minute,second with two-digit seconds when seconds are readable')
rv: 11,04
